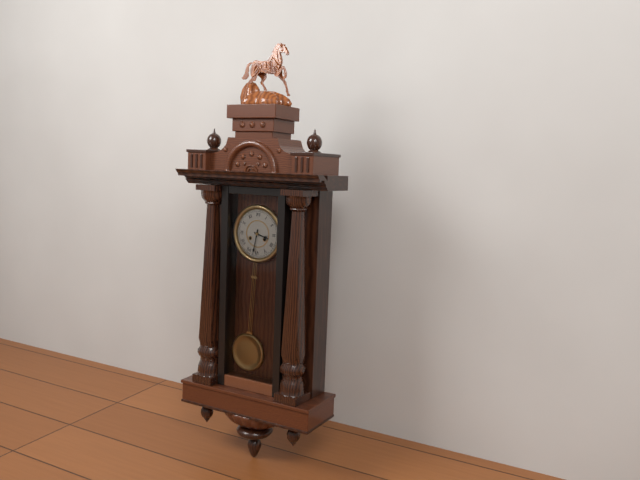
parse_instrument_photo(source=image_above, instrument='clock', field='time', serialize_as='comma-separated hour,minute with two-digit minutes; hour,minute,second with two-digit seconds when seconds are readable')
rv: 3,32
